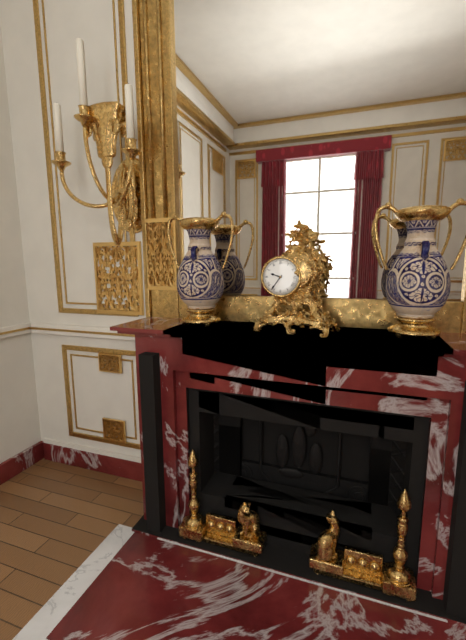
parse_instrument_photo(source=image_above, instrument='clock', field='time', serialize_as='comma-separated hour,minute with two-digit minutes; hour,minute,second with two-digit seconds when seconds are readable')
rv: 9,36
